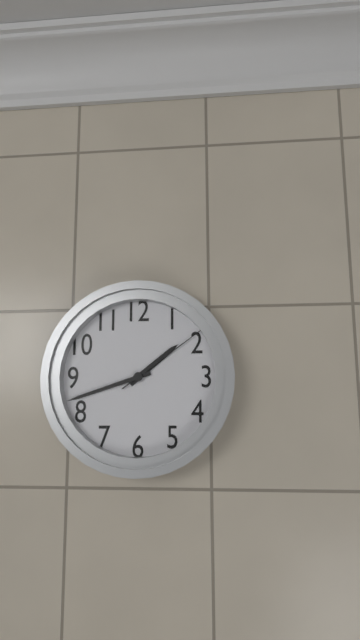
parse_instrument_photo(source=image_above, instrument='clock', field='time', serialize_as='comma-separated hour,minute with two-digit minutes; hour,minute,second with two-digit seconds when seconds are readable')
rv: 1,42,09
